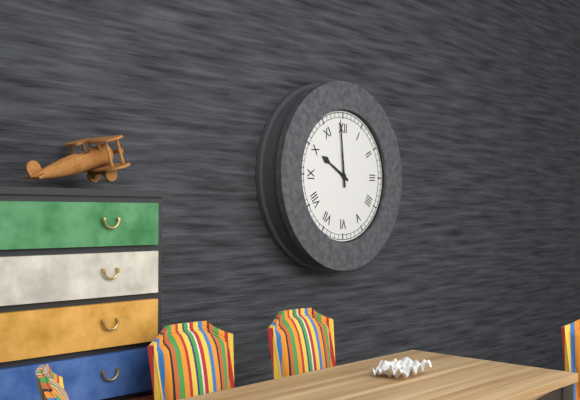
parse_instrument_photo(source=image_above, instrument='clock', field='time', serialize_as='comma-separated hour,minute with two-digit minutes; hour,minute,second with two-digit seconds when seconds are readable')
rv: 9,59
